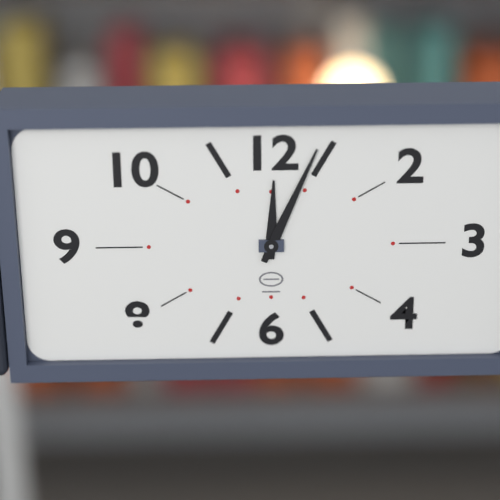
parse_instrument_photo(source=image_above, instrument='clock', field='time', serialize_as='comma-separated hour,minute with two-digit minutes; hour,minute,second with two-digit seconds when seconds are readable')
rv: 12,04
